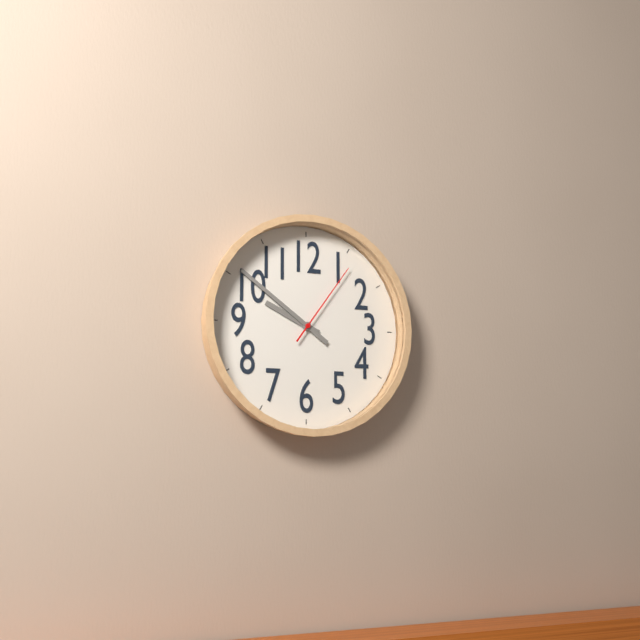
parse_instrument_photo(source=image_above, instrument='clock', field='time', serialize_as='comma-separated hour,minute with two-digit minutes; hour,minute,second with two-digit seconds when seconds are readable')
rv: 9,51,06
